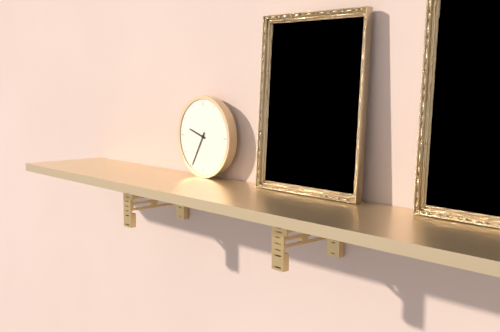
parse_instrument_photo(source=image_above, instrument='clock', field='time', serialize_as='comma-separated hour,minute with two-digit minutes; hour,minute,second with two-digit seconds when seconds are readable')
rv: 9,35
